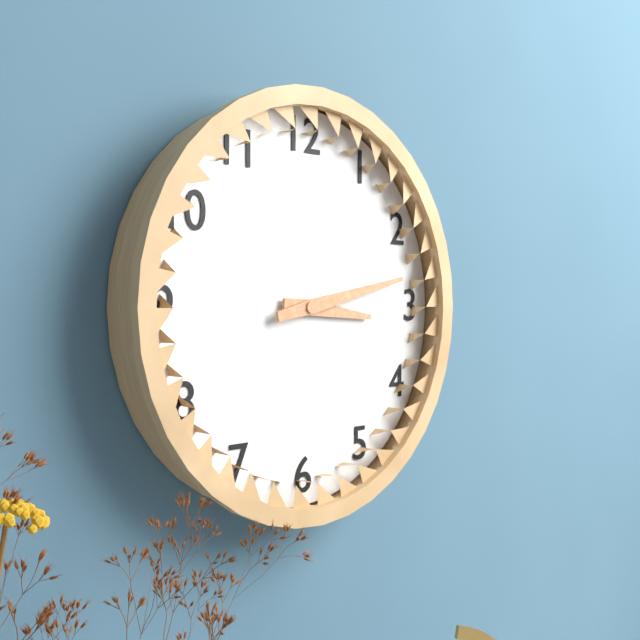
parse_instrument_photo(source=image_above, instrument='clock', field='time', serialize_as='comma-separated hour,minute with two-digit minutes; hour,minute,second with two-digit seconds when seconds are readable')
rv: 3,13
